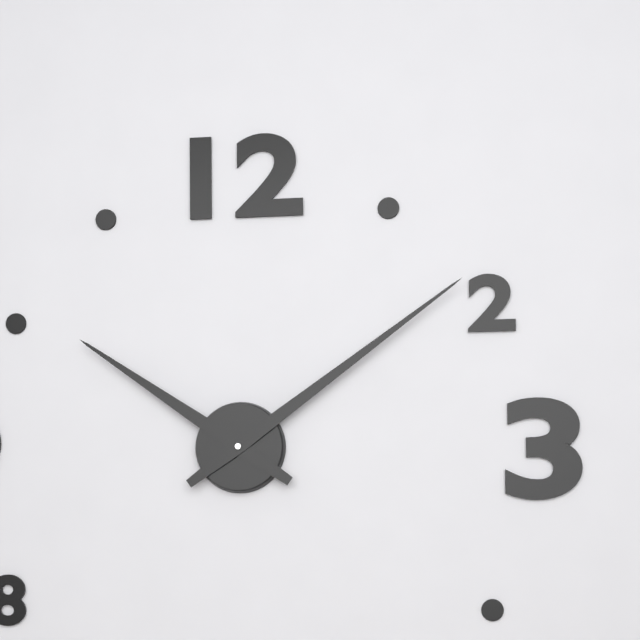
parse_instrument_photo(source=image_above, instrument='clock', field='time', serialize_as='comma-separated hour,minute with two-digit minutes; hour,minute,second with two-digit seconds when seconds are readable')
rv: 10,09
